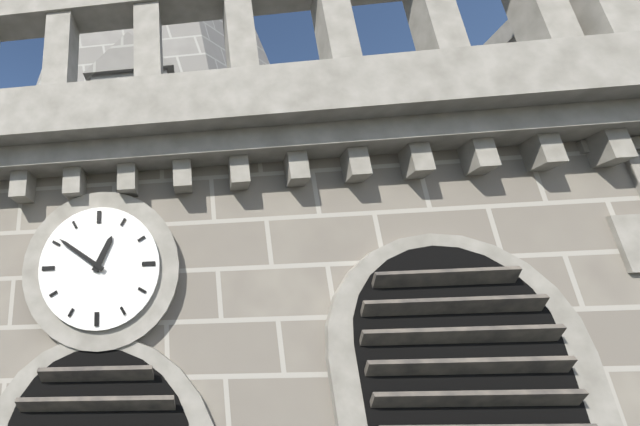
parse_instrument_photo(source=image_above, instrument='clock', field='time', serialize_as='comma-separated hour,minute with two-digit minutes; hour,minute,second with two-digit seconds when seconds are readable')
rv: 12,51
